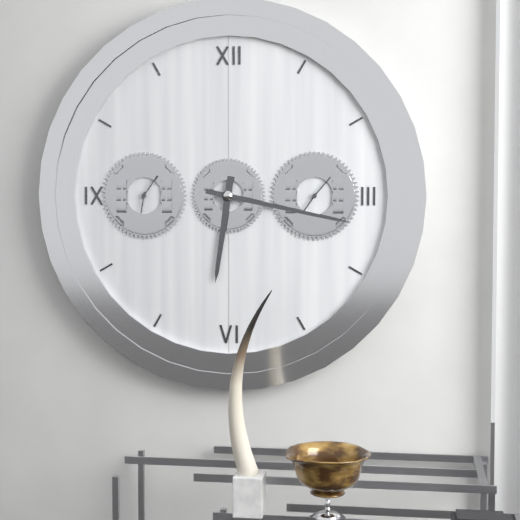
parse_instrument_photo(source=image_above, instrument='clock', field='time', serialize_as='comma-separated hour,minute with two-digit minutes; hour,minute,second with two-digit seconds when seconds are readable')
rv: 6,17
